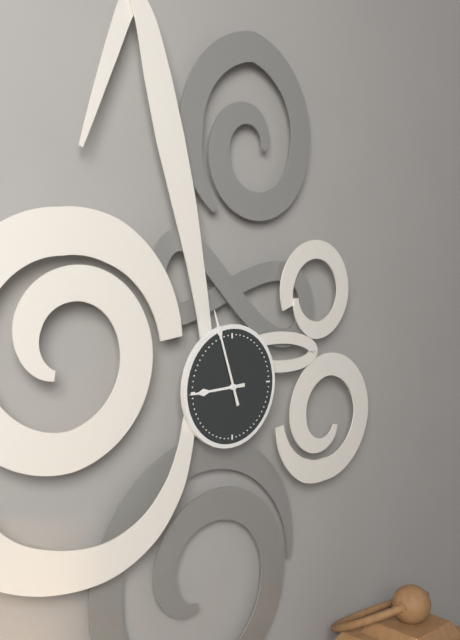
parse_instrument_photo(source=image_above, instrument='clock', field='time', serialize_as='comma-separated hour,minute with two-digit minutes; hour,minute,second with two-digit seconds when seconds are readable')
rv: 8,57
